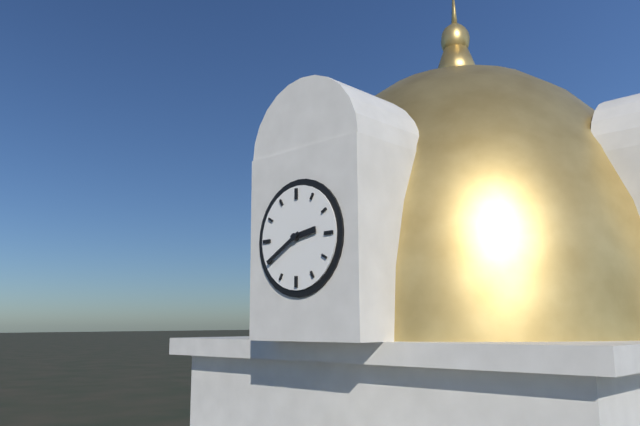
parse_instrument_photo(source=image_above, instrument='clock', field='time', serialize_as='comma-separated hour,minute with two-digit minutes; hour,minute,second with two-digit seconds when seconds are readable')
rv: 2,40
